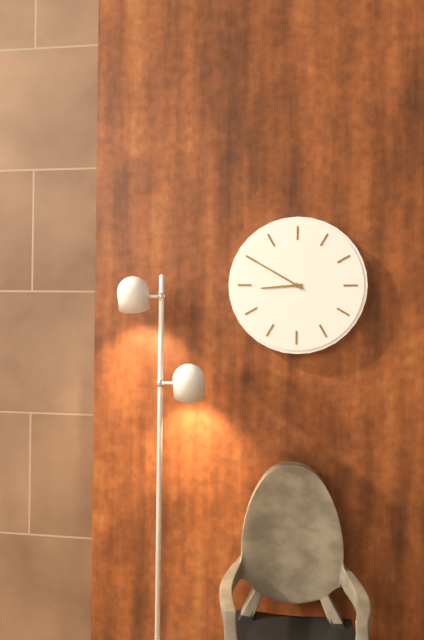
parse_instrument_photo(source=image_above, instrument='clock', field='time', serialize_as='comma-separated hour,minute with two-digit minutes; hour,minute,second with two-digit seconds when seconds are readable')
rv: 8,50
